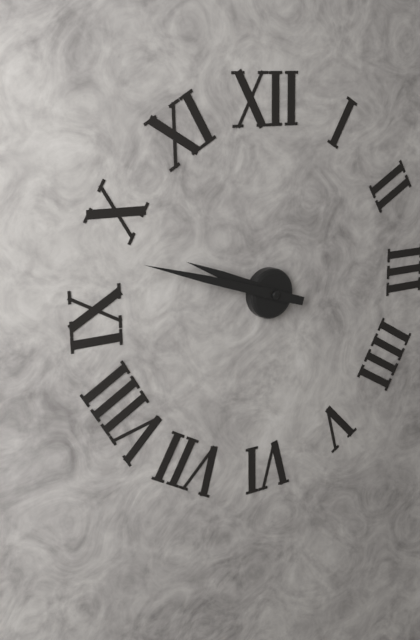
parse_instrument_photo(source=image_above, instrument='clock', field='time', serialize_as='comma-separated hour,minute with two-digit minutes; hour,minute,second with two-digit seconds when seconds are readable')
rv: 9,48
